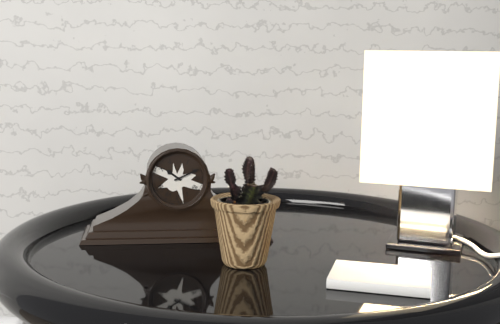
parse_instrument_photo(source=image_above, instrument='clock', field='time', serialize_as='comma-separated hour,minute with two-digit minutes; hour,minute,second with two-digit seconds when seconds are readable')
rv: 10,11
